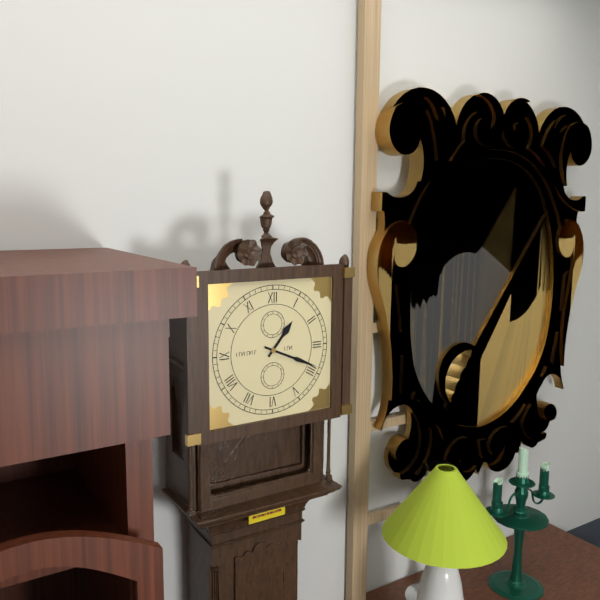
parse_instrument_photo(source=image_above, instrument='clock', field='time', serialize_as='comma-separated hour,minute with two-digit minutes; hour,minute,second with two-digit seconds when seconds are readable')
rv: 1,19
